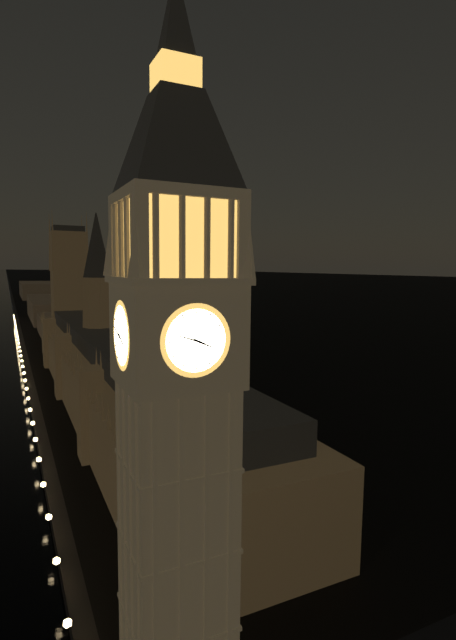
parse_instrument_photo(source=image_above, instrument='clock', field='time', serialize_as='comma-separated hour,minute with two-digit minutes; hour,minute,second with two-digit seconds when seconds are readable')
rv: 3,48
